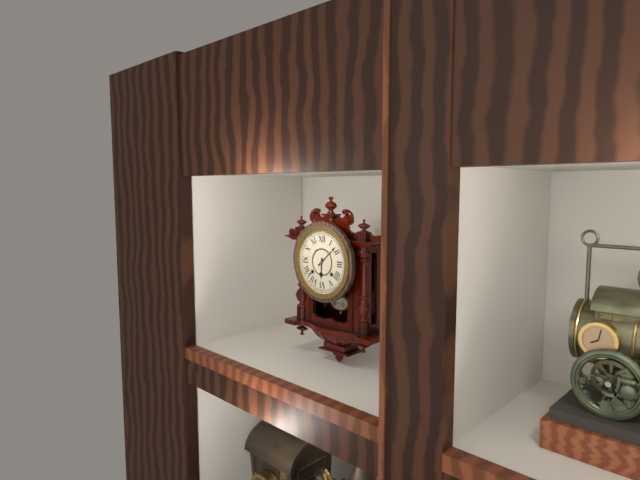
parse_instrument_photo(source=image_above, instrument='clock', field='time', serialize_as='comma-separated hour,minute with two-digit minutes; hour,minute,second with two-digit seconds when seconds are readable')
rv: 6,08
